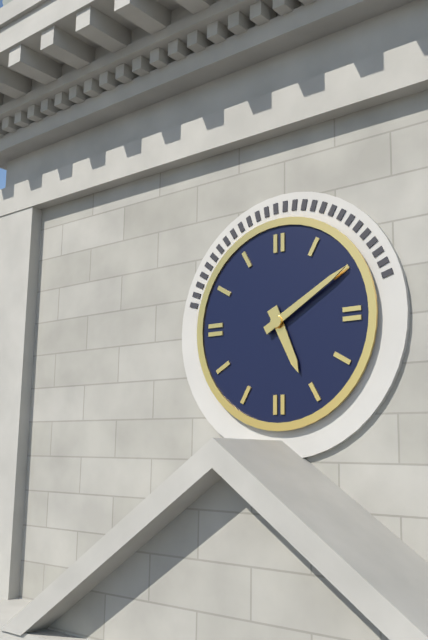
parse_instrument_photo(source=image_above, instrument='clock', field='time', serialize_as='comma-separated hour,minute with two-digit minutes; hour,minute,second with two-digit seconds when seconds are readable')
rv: 5,10
